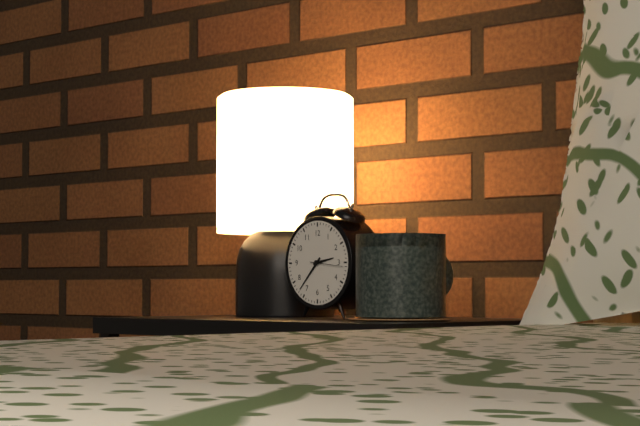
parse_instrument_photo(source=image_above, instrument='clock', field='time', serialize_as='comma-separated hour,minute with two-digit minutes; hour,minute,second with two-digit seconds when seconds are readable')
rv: 2,37
